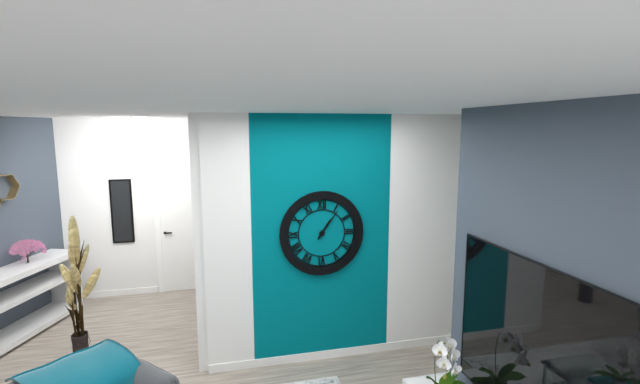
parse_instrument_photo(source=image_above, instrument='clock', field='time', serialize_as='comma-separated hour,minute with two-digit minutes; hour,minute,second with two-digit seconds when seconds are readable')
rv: 1,06
